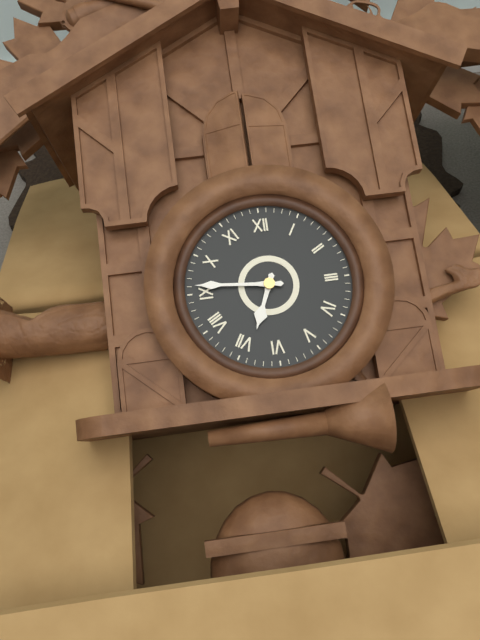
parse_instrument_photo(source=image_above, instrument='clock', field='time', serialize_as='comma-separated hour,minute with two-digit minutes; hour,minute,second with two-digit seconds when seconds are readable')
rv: 6,46
